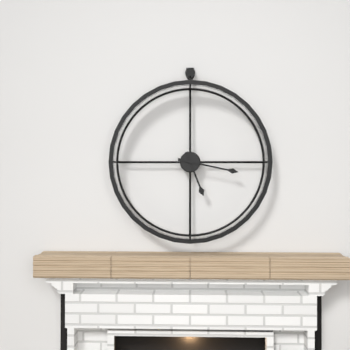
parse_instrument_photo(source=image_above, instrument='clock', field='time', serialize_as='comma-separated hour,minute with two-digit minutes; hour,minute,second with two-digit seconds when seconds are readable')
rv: 5,17
